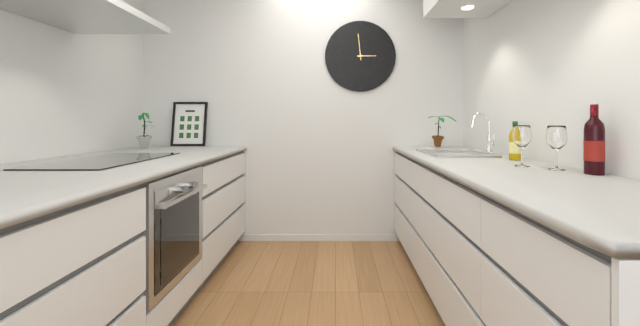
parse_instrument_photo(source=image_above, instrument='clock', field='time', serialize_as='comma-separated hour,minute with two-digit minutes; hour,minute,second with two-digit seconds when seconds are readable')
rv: 2,59
